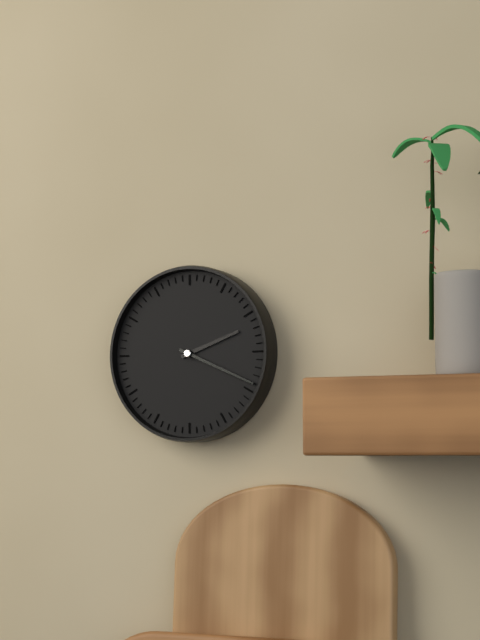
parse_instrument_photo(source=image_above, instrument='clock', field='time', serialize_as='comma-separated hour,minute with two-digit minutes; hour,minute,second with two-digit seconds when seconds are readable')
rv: 2,19
